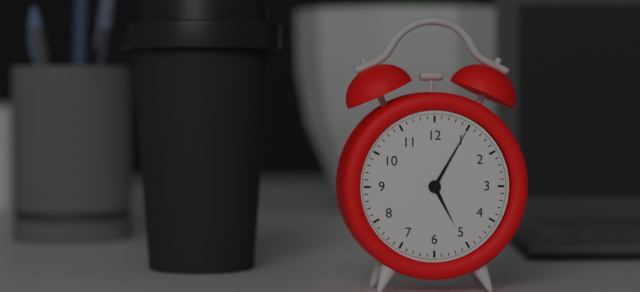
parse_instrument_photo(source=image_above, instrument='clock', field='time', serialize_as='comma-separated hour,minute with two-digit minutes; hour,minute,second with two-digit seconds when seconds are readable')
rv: 5,05
